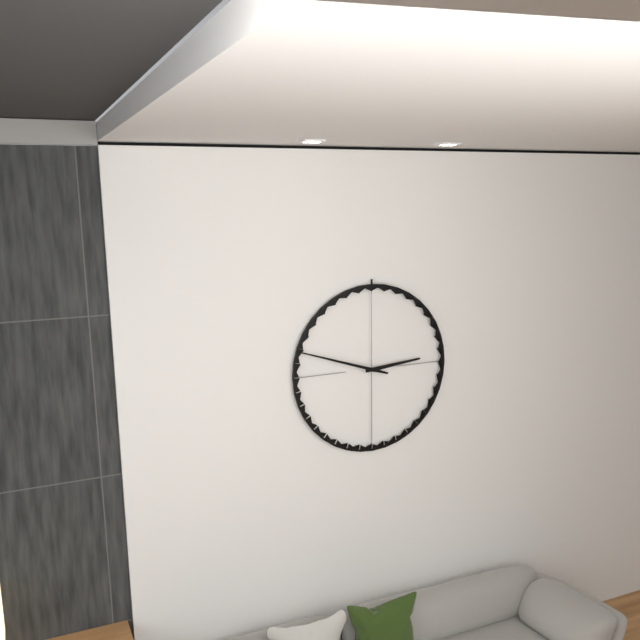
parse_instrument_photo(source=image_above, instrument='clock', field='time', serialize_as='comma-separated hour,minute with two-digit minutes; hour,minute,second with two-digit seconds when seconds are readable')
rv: 2,48
